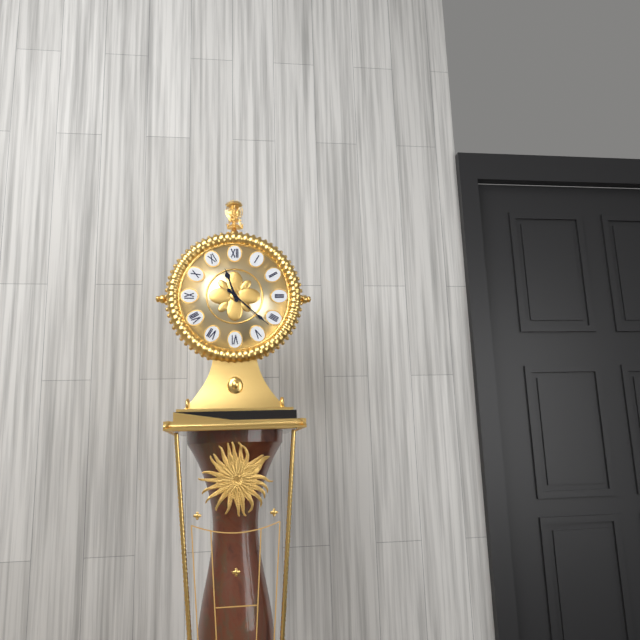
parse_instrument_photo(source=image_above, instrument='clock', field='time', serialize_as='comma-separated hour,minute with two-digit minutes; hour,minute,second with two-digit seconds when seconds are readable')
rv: 11,22
